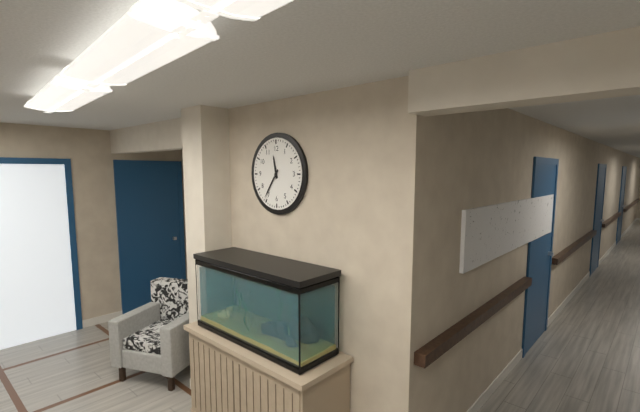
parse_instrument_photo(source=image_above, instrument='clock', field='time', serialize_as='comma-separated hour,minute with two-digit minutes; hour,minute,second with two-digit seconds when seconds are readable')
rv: 11,36
